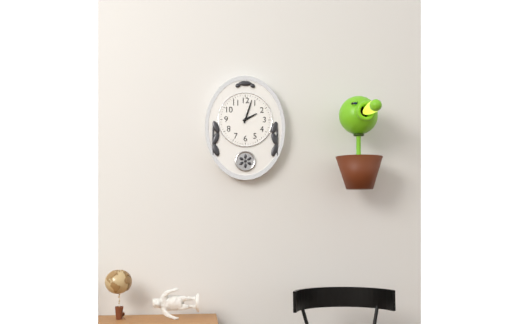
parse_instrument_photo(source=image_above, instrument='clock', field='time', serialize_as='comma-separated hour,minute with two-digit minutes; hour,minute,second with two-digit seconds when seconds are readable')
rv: 2,03
